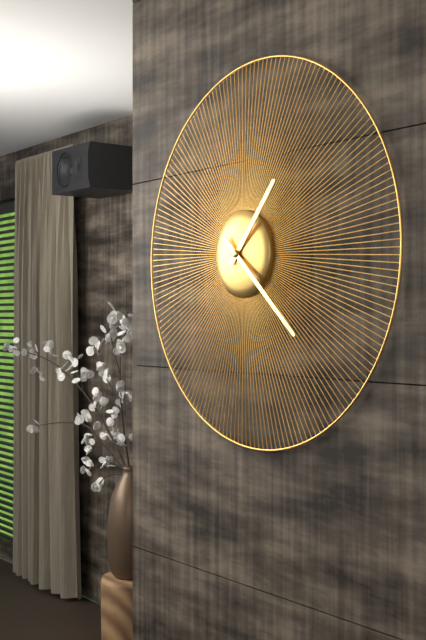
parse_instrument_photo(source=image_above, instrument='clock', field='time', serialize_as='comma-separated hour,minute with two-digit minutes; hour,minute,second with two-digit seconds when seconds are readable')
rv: 1,22
